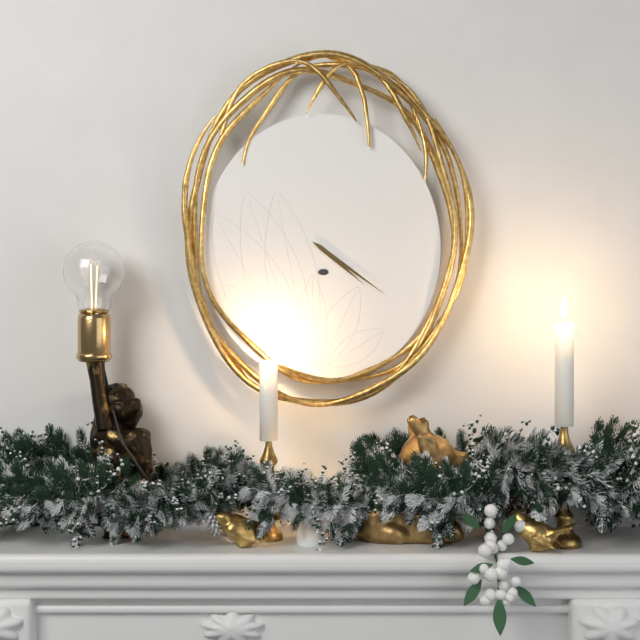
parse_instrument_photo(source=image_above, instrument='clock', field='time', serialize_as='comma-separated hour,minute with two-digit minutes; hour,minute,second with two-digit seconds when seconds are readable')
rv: 4,21
